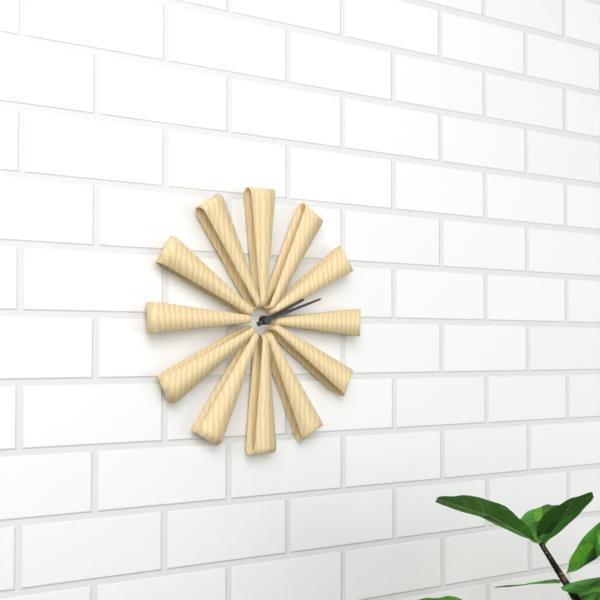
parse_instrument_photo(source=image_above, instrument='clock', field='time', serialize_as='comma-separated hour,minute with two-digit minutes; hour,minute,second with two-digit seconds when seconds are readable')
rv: 2,12
